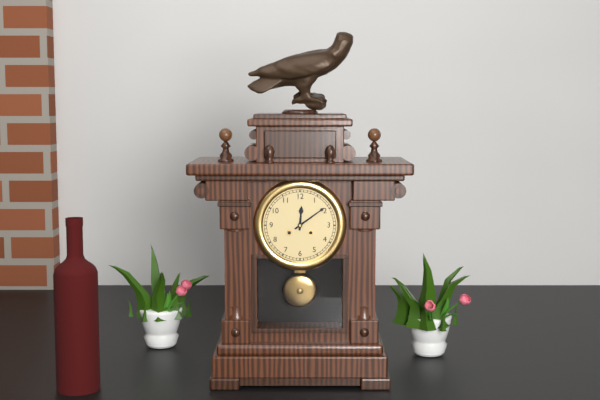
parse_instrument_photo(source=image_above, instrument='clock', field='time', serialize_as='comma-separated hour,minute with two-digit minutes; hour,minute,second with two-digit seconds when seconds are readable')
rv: 12,09
